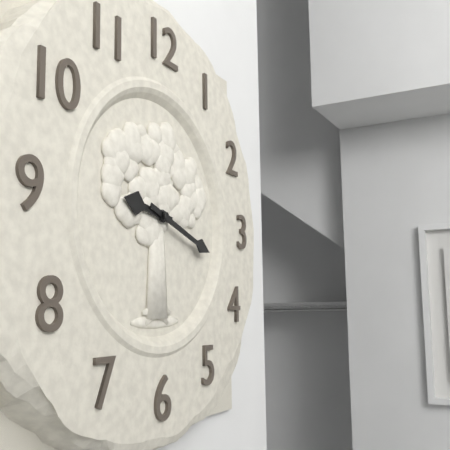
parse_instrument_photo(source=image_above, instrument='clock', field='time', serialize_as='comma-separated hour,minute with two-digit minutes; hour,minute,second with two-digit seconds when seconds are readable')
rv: 9,18
